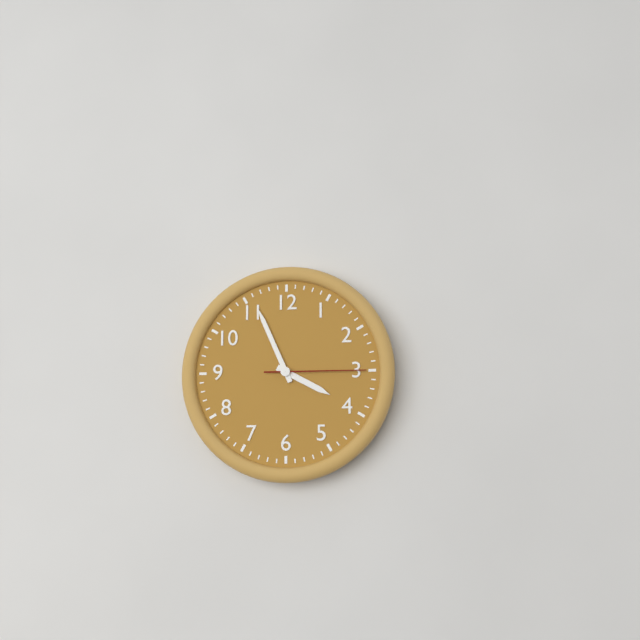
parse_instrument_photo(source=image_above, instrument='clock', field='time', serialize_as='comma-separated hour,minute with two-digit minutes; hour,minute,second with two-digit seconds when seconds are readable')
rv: 3,56,15
